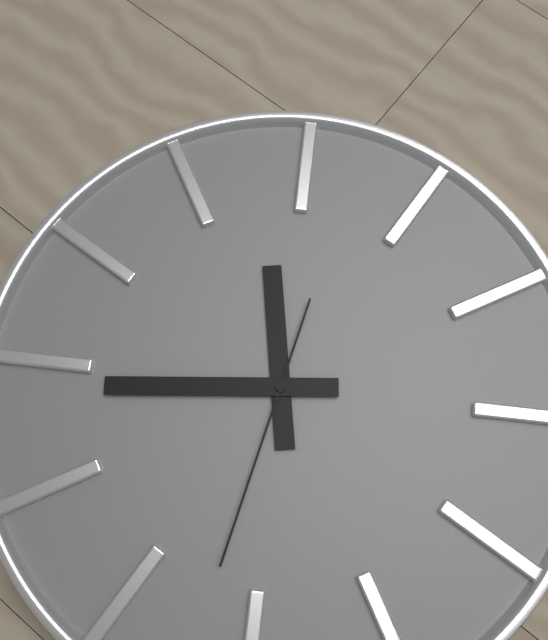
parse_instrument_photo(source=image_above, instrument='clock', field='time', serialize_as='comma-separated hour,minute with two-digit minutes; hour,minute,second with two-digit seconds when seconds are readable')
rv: 10,39,27
